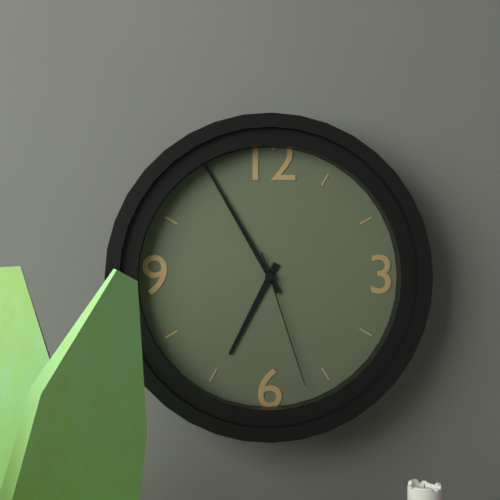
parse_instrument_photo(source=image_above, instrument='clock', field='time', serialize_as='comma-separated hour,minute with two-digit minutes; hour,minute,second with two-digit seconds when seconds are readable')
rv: 6,55,27
